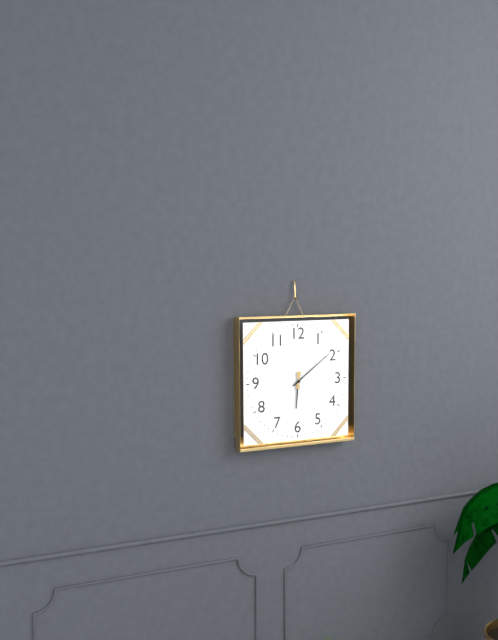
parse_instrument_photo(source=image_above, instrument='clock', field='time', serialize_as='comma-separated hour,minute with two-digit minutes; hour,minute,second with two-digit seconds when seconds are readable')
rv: 6,09
